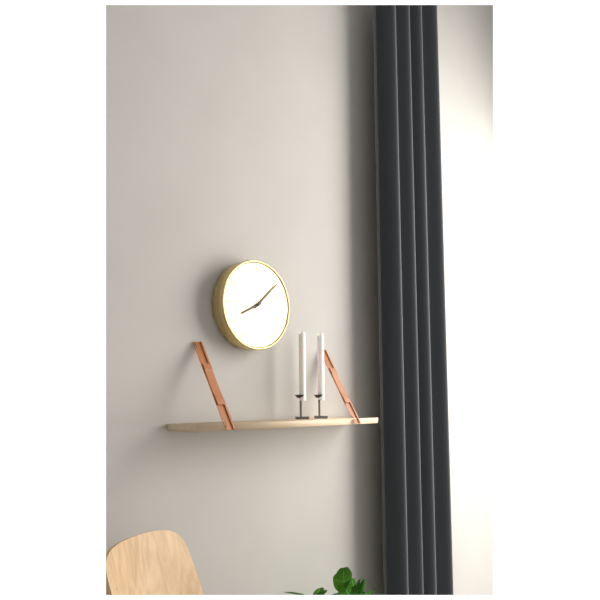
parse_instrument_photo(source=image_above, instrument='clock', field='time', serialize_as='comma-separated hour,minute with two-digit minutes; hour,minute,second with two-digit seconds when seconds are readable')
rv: 8,08
